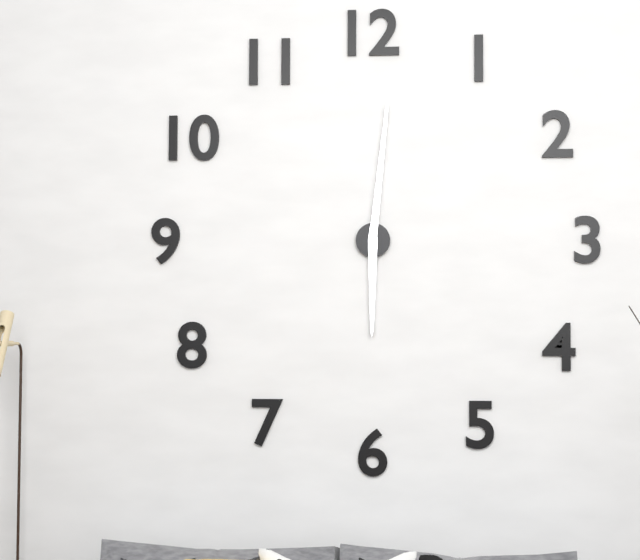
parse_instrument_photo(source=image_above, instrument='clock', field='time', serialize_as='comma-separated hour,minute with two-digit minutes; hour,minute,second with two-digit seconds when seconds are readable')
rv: 6,01
